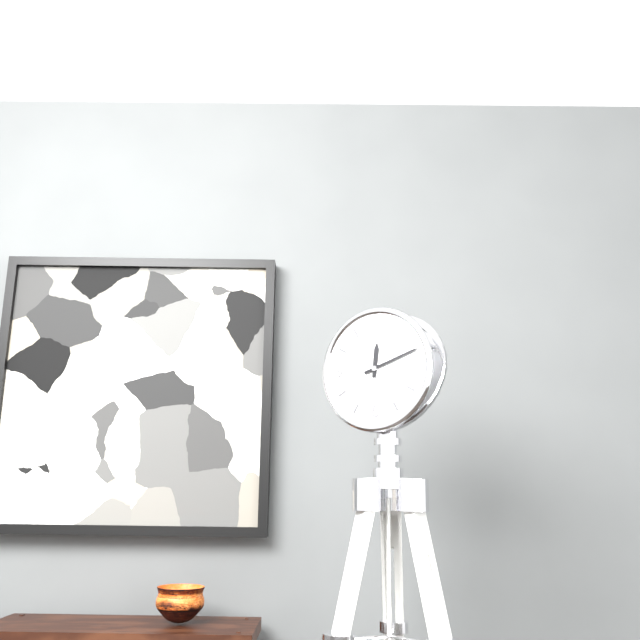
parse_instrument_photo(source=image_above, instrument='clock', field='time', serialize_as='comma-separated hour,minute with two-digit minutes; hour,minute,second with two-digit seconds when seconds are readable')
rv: 12,12
